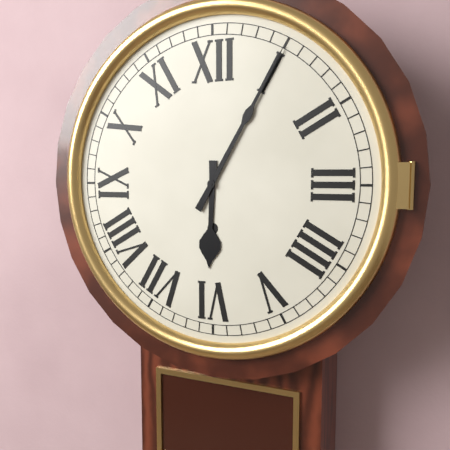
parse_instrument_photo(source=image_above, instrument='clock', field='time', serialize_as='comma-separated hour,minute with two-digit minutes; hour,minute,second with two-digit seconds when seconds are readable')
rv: 6,05
